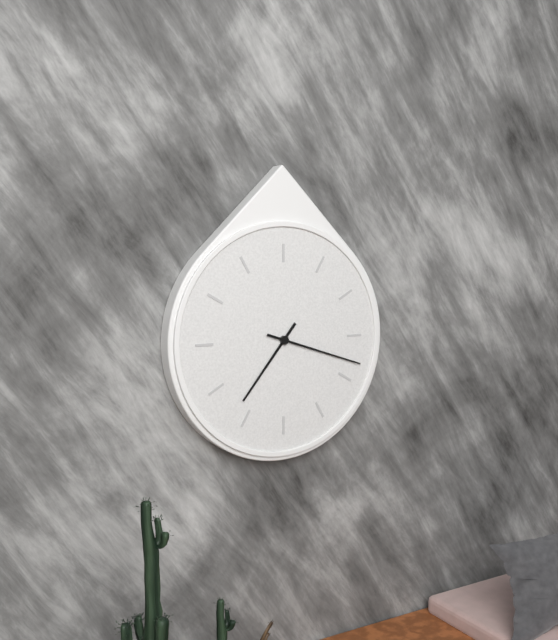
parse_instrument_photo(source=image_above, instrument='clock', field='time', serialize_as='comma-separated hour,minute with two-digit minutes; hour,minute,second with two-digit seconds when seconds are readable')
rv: 7,18
